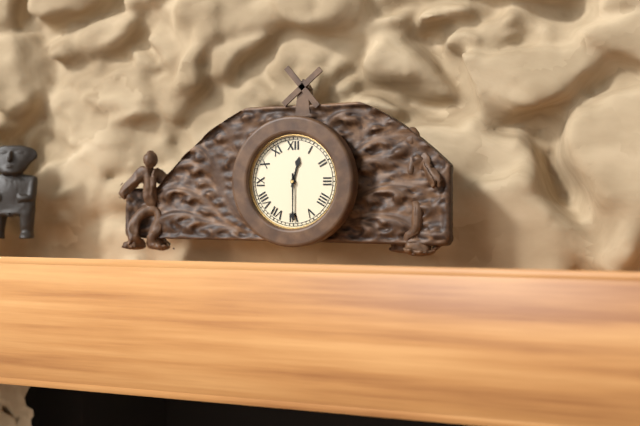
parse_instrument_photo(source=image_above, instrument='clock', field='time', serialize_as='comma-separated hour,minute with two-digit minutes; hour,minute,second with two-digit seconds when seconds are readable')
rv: 12,30
